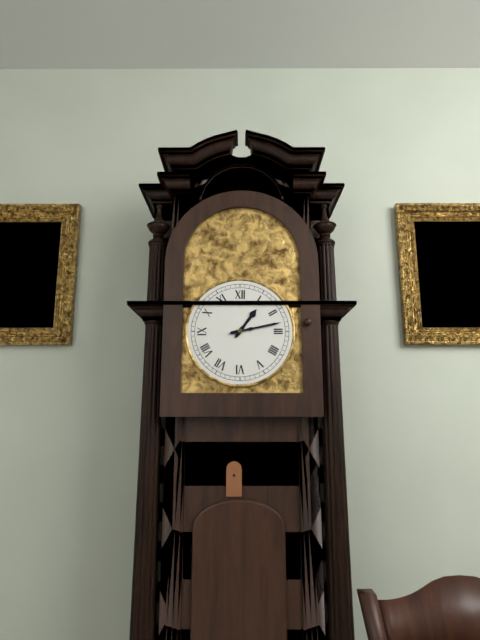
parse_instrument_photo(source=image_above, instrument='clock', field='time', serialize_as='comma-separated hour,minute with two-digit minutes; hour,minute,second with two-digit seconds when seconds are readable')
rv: 1,13
